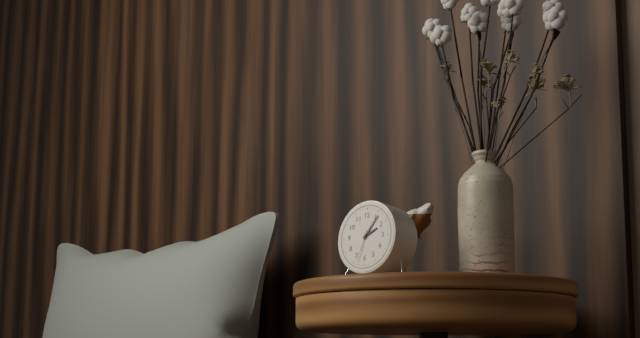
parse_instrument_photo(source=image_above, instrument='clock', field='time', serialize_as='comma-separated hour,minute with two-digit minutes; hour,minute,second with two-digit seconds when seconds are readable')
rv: 2,06
